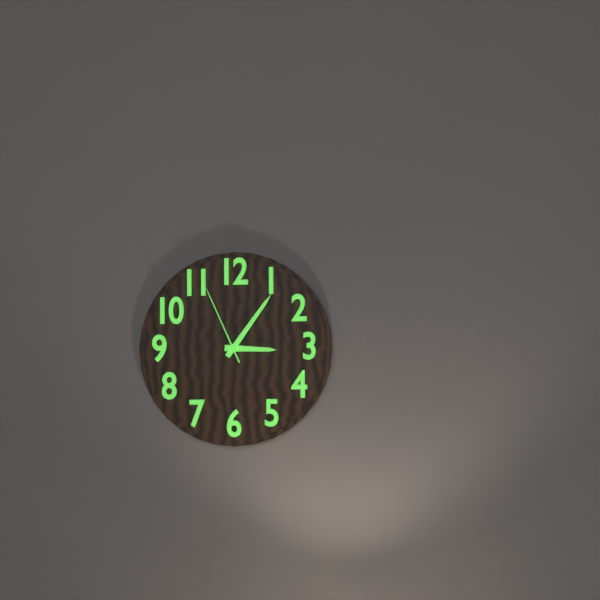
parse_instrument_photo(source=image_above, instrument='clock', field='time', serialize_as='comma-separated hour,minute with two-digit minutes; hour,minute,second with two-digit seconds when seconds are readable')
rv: 3,06,56
